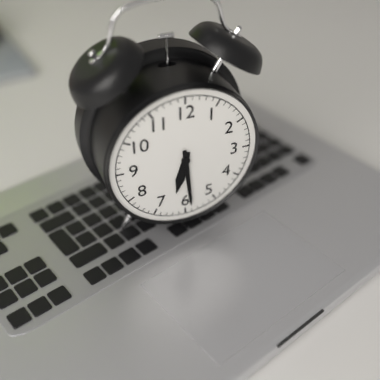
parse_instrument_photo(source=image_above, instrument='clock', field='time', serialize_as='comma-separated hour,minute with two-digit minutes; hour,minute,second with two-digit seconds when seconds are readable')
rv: 6,29
